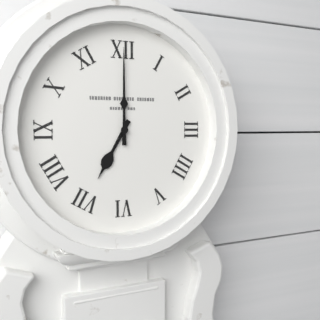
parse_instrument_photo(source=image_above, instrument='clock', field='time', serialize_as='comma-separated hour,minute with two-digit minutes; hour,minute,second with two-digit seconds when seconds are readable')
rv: 7,00
